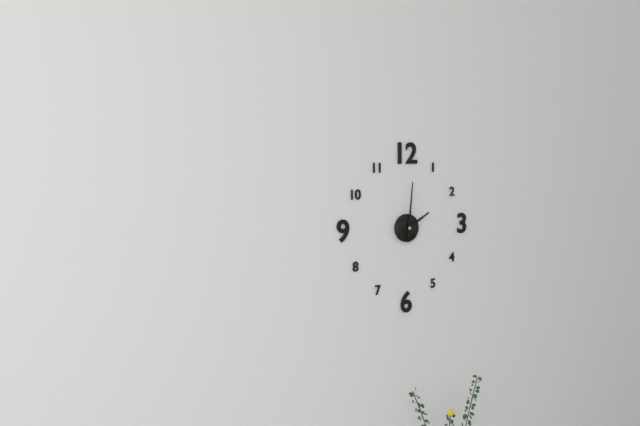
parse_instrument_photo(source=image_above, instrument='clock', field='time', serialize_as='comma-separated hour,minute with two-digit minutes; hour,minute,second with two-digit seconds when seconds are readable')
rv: 2,01
